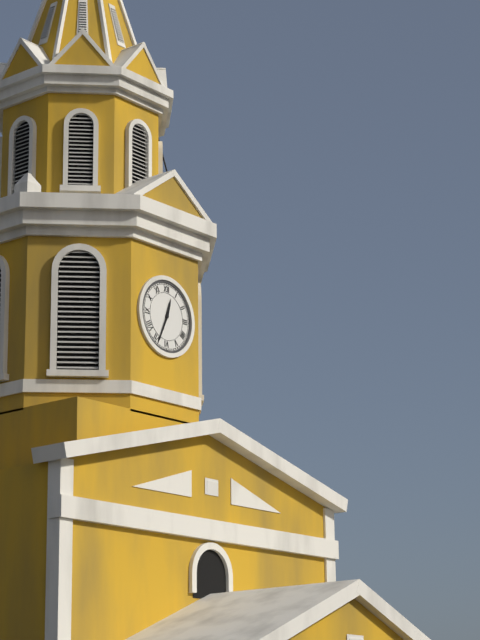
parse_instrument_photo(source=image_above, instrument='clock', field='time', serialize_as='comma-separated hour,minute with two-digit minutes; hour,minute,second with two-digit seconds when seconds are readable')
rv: 12,34
